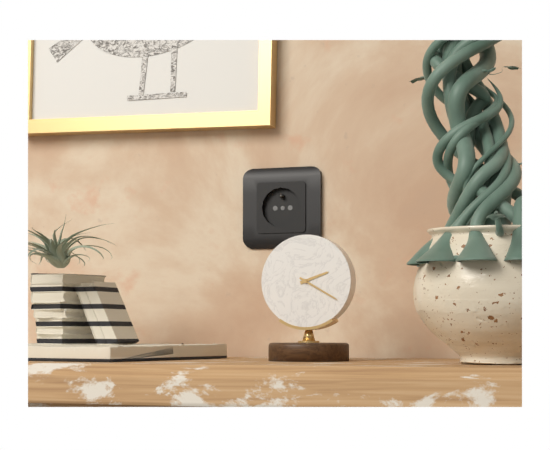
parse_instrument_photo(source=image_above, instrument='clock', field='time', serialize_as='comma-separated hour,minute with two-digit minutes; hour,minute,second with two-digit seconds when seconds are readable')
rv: 2,20
